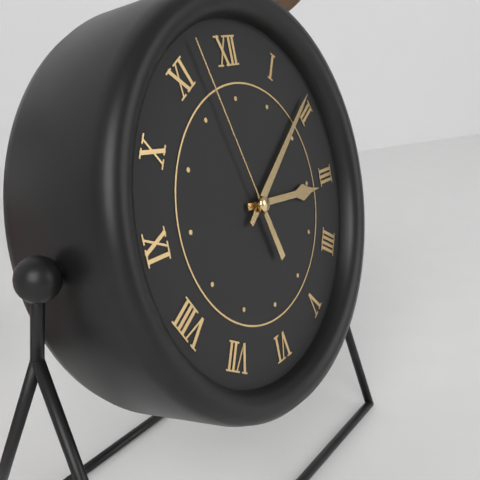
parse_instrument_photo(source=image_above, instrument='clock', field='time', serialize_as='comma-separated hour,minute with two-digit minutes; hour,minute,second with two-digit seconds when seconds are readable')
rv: 3,09,57
